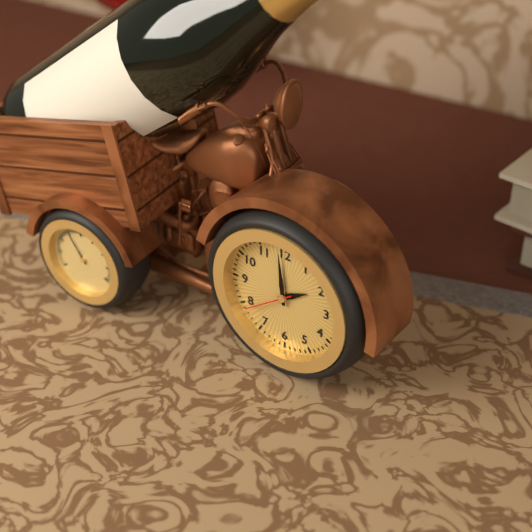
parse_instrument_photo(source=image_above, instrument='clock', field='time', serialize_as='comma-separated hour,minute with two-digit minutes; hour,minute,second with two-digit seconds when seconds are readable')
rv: 1,59,39
